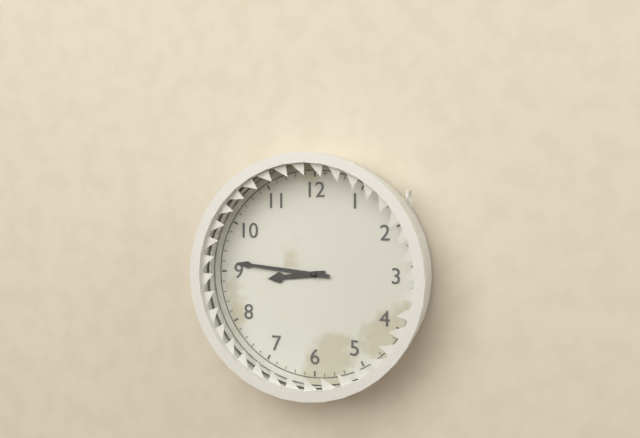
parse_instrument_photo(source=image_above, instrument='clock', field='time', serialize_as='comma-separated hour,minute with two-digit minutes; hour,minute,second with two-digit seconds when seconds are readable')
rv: 8,46
